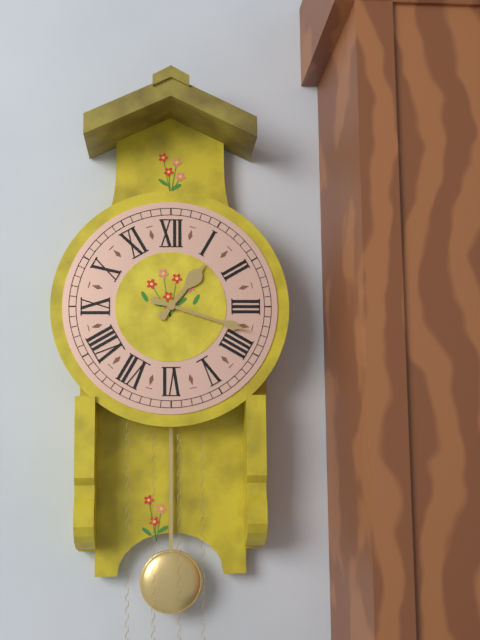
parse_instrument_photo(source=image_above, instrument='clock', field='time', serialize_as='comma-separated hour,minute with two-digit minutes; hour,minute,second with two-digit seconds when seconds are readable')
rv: 1,18
